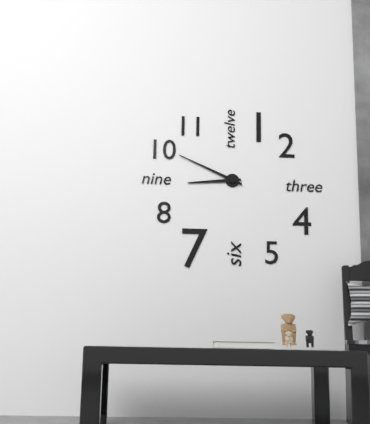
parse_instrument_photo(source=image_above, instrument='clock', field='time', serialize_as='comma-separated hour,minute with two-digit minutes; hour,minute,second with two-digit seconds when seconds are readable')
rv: 8,49
